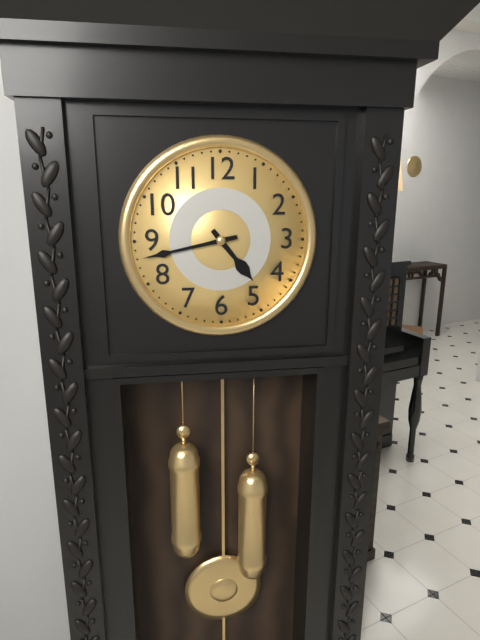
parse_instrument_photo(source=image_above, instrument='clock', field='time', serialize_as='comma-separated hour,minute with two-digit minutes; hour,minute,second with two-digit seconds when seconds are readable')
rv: 4,43
